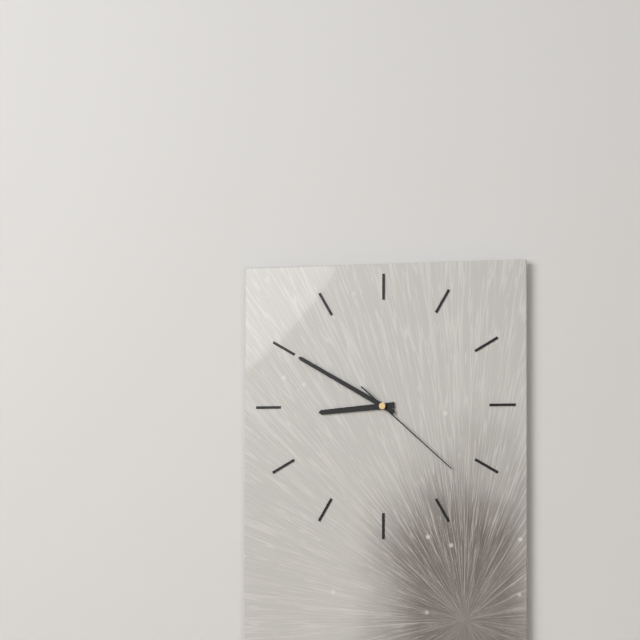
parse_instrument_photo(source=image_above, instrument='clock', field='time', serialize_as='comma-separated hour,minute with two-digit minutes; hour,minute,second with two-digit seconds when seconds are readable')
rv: 8,50,22
